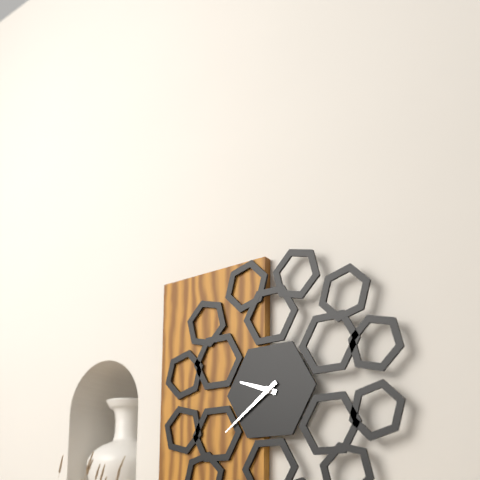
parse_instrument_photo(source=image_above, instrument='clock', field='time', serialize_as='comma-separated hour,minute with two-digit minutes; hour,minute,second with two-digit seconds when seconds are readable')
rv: 9,39
